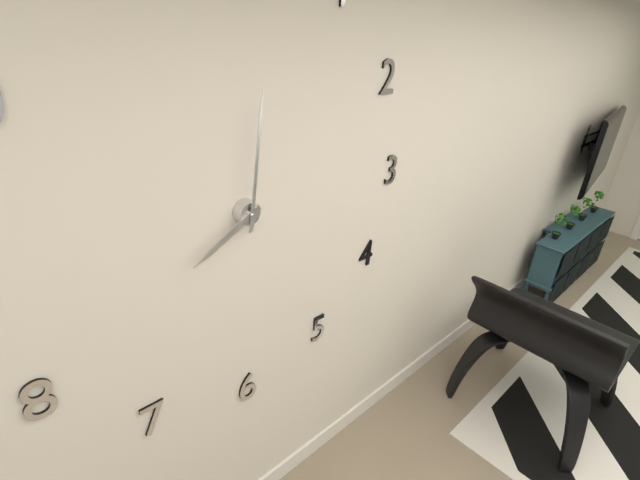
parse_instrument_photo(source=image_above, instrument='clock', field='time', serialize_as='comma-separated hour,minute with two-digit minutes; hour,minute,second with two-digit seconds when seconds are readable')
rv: 8,01
